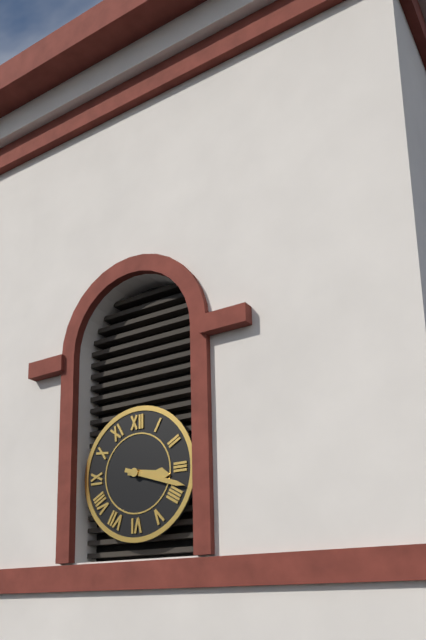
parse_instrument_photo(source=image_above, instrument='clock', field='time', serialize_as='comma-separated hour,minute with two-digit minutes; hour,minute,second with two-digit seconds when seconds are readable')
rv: 3,18
